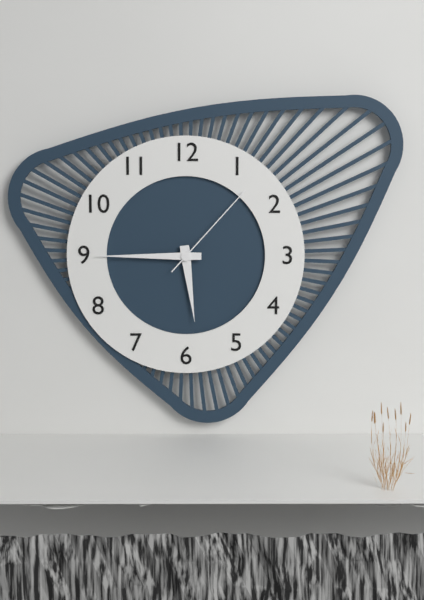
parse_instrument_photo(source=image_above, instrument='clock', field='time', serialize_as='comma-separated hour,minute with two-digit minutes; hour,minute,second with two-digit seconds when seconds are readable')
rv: 5,45,07
